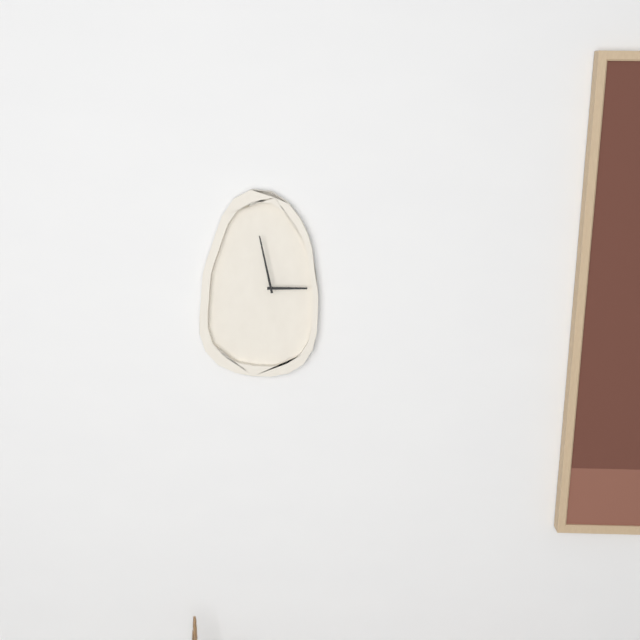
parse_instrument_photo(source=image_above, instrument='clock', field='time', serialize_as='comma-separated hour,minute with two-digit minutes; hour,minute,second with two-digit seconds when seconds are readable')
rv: 2,58
